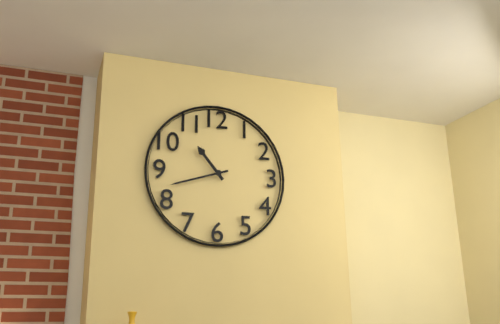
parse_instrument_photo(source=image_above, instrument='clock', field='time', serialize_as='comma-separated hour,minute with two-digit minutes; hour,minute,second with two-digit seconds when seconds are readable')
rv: 10,42
